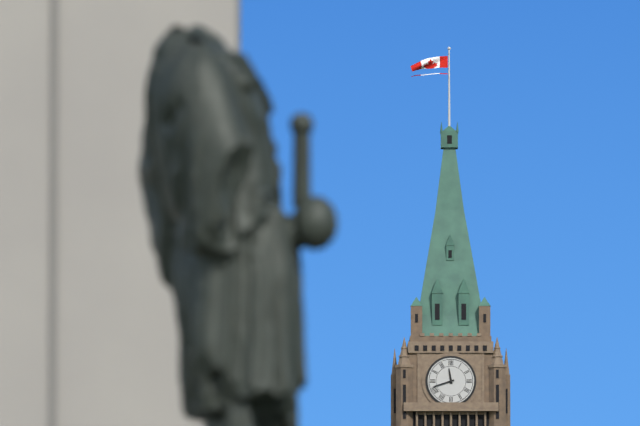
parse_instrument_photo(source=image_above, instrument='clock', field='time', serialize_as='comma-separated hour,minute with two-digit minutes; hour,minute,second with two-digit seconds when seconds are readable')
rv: 11,42
